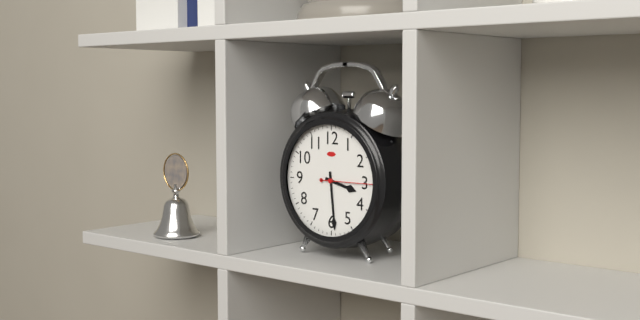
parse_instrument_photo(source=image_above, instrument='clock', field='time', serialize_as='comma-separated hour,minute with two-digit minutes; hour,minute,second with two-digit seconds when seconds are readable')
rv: 3,29,15
